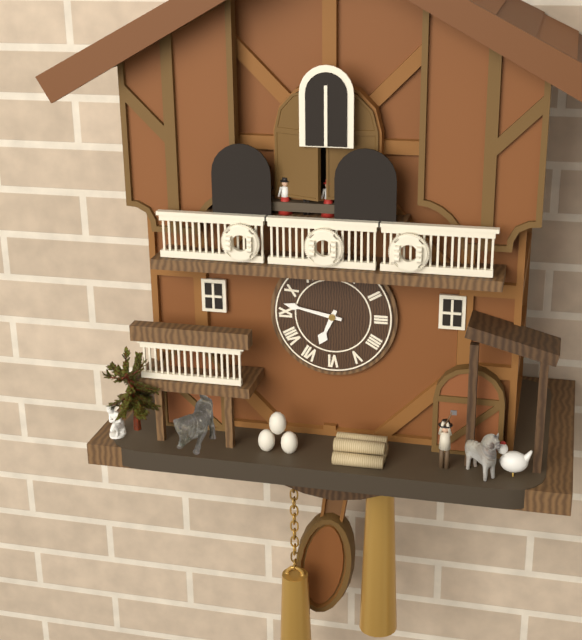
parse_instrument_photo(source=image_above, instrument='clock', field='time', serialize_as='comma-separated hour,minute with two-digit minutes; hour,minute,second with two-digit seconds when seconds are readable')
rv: 6,47
